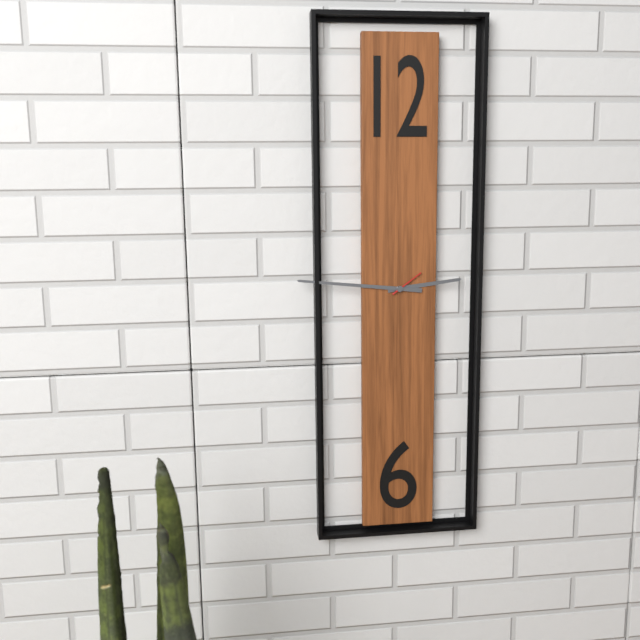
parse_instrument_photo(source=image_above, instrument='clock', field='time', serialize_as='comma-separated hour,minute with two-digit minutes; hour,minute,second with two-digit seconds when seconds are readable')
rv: 2,46
